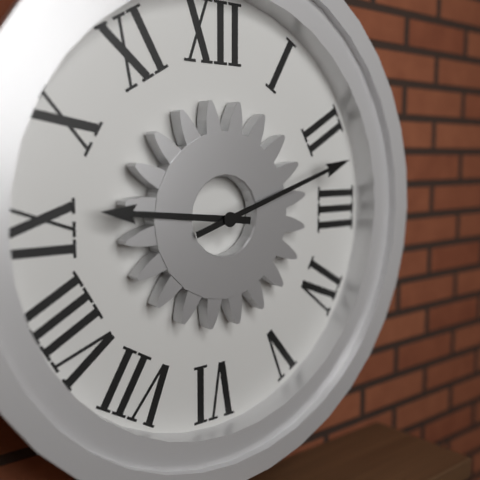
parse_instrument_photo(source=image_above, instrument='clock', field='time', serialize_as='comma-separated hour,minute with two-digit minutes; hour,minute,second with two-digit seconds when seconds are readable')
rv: 9,12
